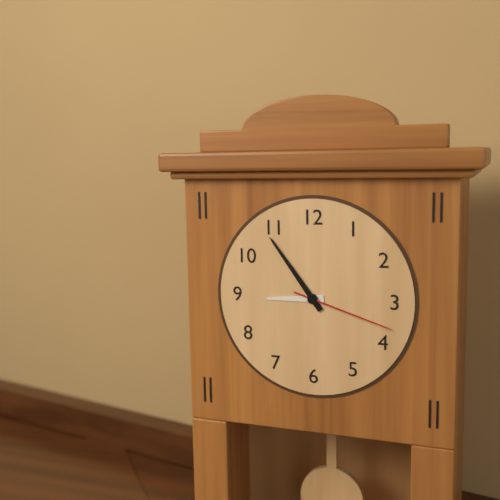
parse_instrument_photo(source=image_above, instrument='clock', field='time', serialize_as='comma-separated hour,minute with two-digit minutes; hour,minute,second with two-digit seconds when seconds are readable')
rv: 8,54,18
